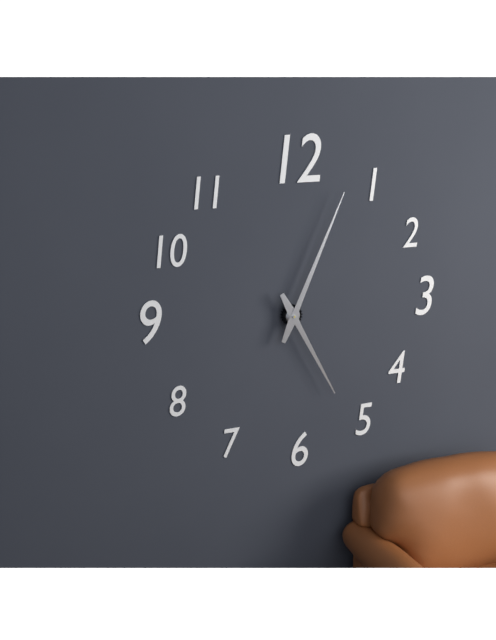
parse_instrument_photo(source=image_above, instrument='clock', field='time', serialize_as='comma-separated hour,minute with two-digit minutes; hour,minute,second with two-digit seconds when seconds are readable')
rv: 5,04
